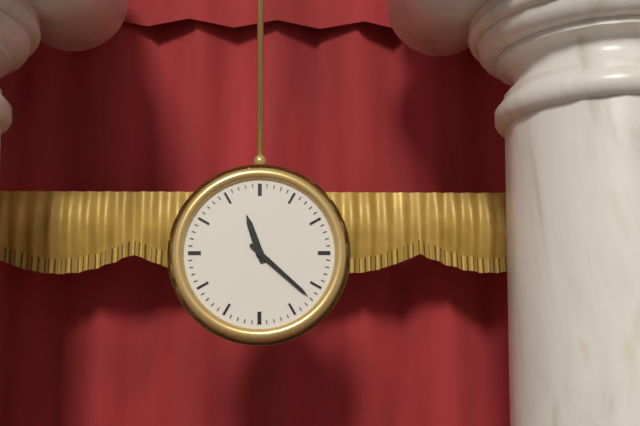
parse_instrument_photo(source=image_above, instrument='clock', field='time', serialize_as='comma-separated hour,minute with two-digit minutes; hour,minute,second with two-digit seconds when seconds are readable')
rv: 11,22
